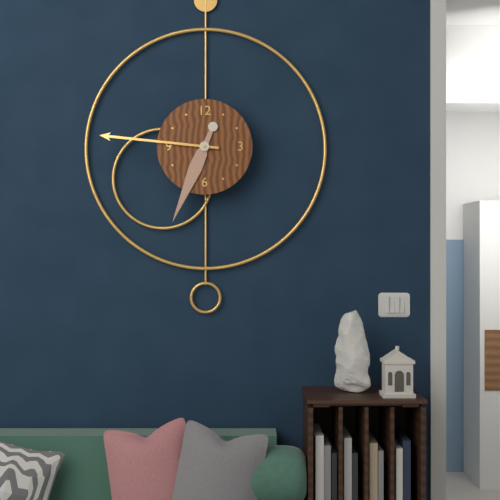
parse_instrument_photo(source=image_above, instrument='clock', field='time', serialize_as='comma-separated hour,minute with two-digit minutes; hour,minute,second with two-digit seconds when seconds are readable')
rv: 6,46
